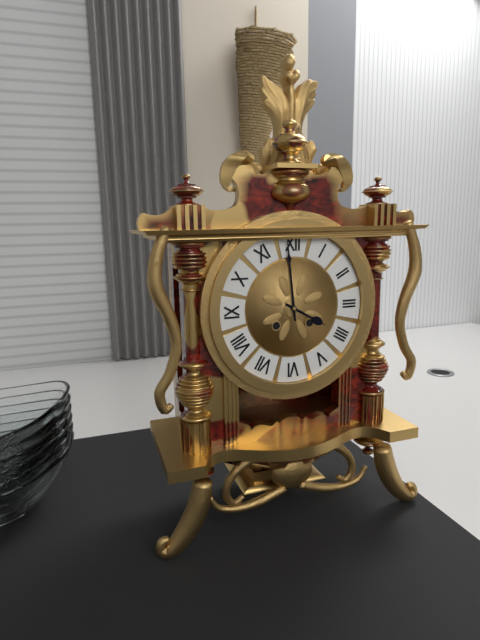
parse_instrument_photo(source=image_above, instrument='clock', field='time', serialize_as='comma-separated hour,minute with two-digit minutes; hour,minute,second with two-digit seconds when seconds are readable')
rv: 3,59
